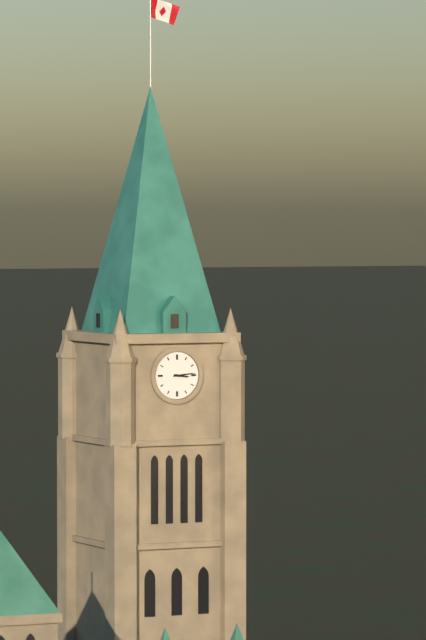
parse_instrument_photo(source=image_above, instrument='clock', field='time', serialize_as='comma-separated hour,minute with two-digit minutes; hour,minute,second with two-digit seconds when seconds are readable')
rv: 3,14
